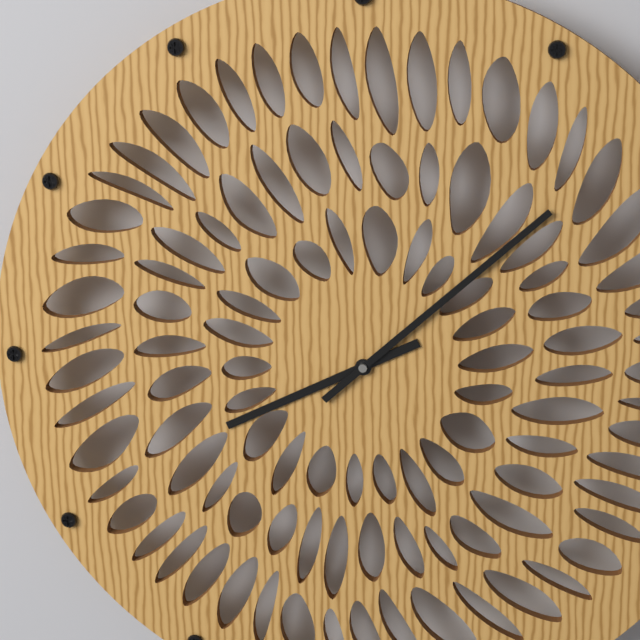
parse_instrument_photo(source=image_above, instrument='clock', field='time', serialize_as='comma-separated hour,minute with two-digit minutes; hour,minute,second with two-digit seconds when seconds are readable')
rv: 8,08
